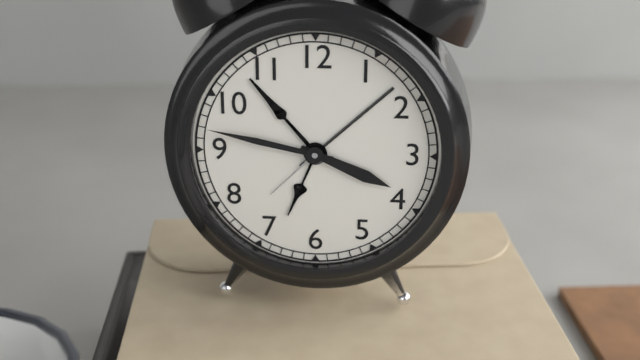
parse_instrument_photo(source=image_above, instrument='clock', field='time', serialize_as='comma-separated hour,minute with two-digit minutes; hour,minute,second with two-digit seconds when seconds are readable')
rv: 3,47
